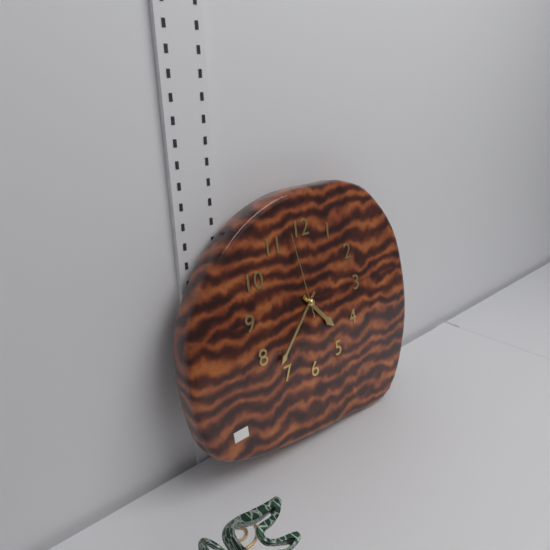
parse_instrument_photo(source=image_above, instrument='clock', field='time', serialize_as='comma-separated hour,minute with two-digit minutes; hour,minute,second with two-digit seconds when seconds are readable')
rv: 4,37,58
